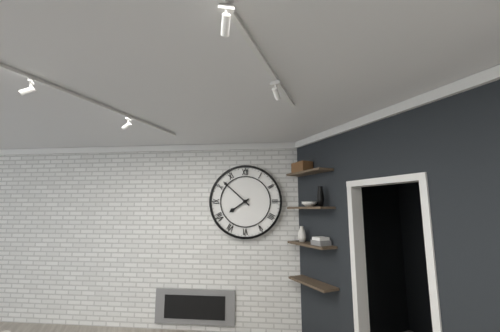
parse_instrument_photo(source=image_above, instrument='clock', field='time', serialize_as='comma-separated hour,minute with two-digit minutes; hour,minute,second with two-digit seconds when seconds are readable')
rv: 7,52
